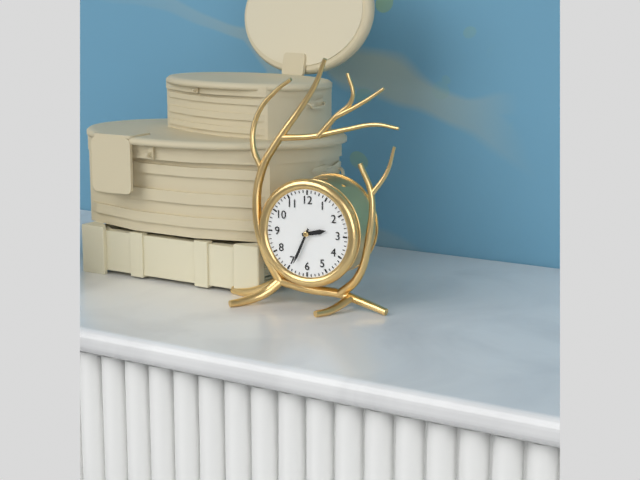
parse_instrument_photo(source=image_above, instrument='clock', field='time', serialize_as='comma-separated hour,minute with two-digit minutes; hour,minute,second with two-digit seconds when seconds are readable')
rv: 2,34
